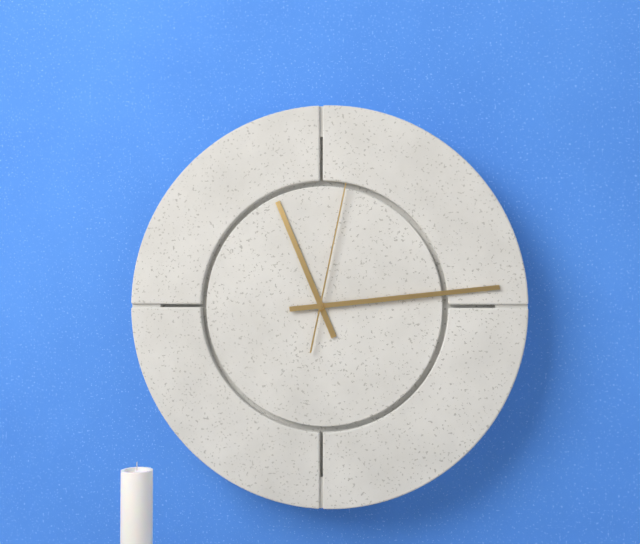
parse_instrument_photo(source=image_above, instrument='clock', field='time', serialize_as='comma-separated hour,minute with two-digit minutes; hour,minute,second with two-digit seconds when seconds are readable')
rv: 11,14,02
